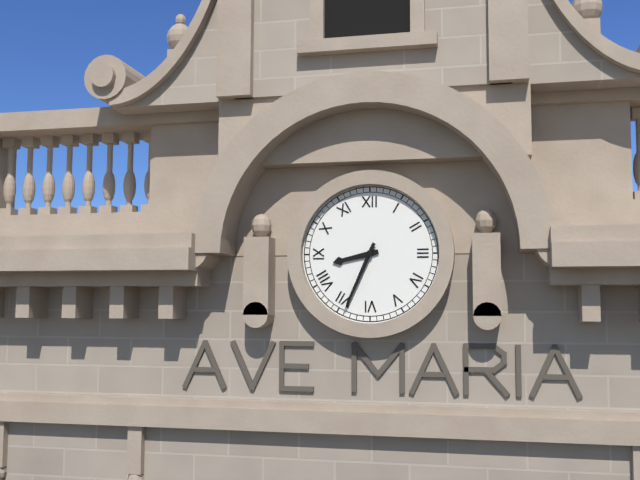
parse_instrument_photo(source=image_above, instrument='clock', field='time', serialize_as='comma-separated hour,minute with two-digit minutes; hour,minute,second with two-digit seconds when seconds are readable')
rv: 8,34
